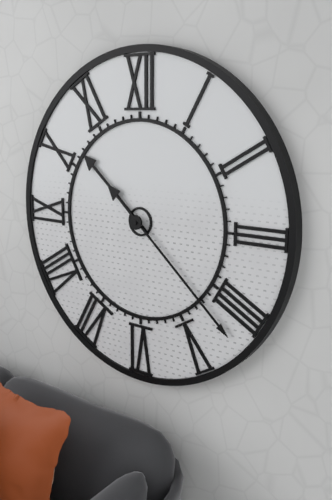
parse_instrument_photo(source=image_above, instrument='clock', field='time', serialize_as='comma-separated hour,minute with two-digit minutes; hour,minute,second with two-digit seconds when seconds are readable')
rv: 10,22
